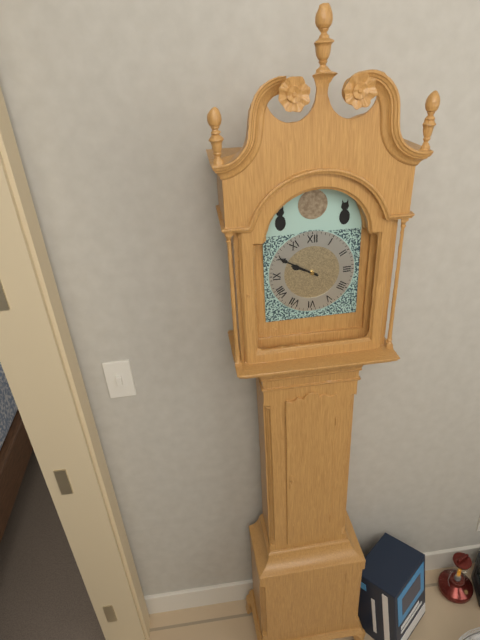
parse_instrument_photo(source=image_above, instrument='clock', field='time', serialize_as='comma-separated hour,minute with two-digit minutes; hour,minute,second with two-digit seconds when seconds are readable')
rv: 9,50
